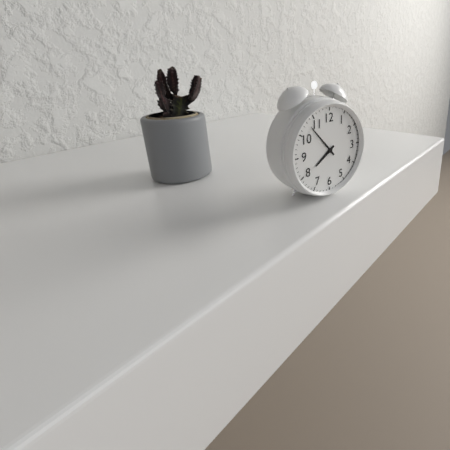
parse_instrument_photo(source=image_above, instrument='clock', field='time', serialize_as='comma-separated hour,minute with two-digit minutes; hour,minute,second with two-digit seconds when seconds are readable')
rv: 7,53
